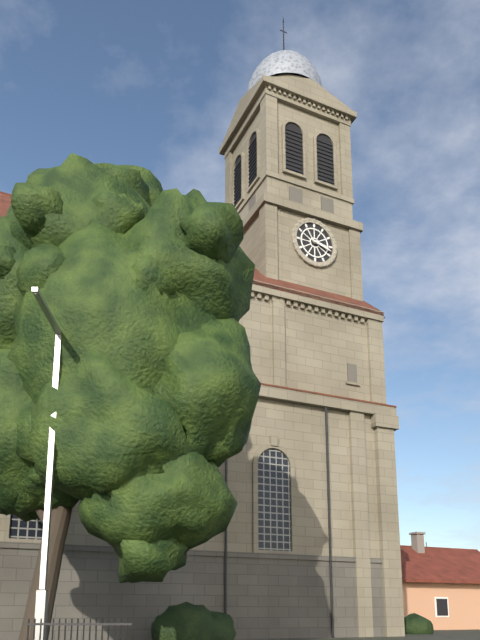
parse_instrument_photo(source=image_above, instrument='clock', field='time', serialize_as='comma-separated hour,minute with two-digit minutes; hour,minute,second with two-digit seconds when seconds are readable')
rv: 3,18
